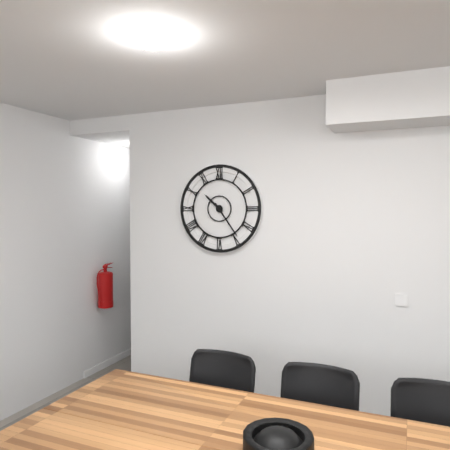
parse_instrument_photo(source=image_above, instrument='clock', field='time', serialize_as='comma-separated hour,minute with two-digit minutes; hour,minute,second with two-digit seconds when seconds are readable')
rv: 10,24
